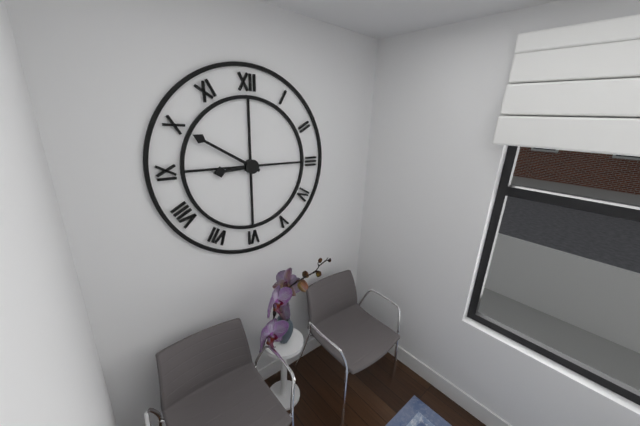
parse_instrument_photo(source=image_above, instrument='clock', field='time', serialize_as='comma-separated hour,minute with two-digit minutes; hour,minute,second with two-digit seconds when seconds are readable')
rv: 8,50
